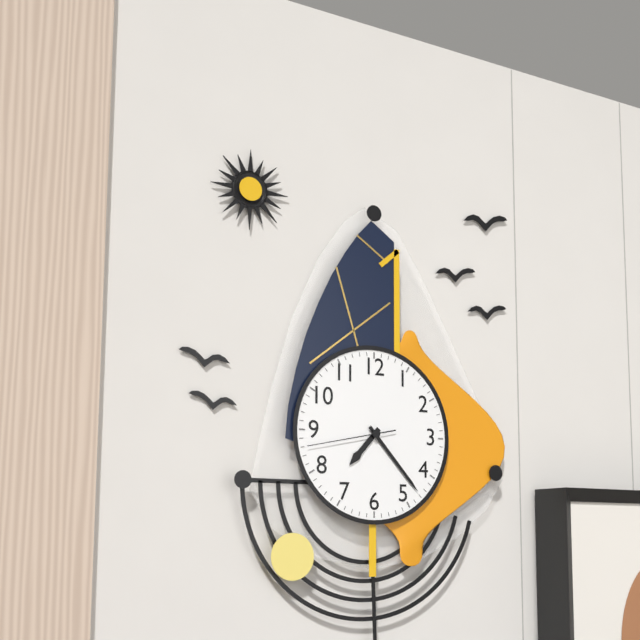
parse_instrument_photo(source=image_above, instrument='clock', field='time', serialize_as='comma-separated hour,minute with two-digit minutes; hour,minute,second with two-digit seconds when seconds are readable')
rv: 7,23,43
